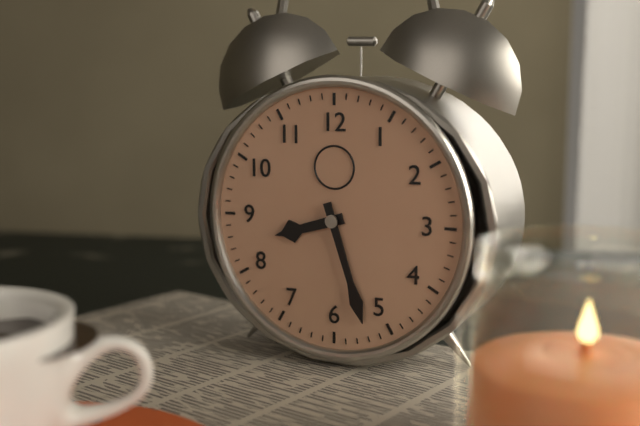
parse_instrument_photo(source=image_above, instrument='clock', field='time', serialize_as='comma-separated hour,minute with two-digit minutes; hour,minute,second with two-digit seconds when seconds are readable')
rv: 8,27
